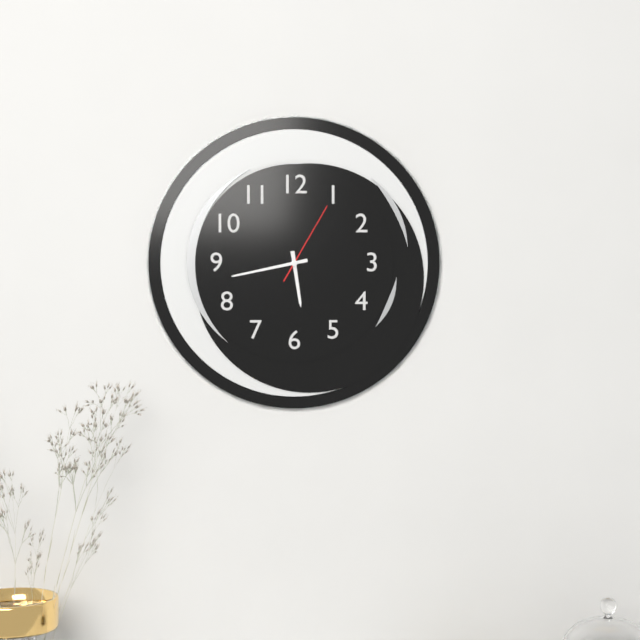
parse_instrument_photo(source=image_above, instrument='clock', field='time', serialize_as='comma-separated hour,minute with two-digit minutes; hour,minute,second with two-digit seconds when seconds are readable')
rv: 5,43,05
